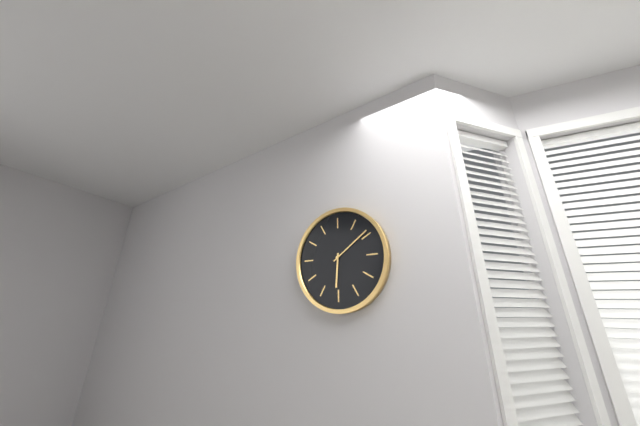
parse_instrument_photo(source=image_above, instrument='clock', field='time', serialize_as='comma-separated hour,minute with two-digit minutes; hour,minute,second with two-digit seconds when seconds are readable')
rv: 6,09
